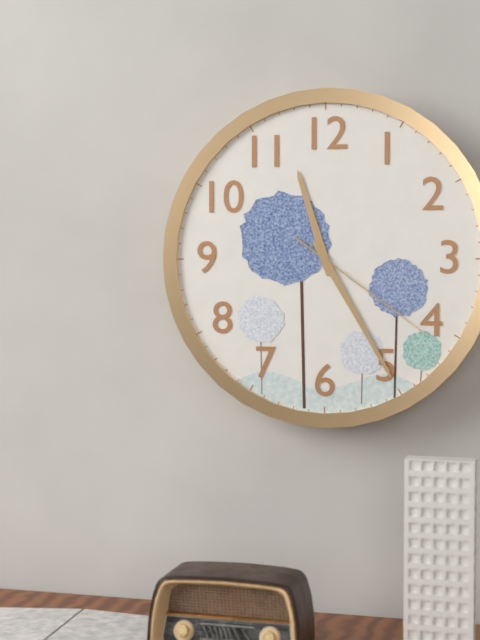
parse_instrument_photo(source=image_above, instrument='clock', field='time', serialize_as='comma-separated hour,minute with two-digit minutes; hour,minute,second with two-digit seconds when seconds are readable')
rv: 11,25,21
